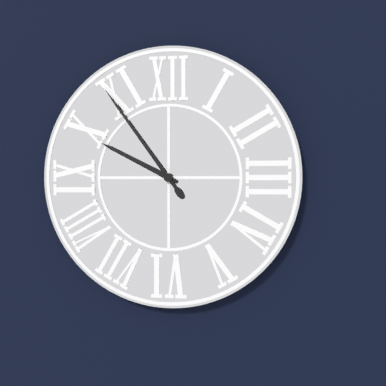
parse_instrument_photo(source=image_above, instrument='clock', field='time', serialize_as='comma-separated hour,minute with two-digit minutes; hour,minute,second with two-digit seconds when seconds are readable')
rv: 9,54
